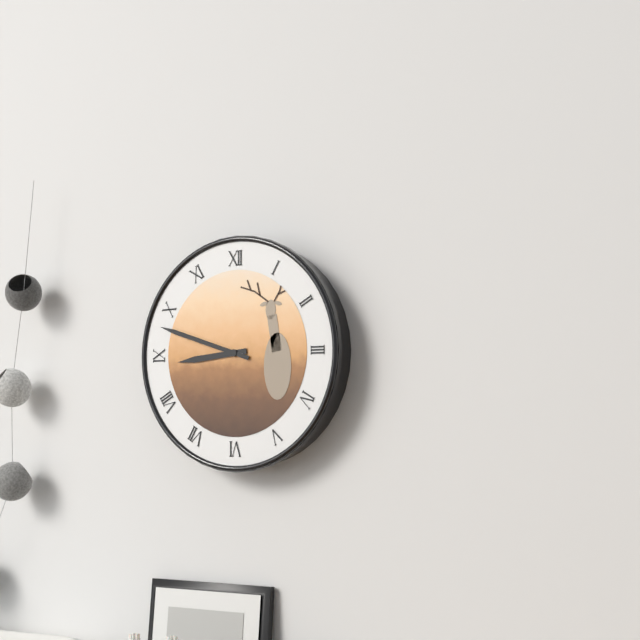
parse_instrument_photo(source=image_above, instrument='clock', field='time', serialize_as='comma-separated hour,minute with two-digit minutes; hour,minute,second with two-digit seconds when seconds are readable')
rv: 8,48
